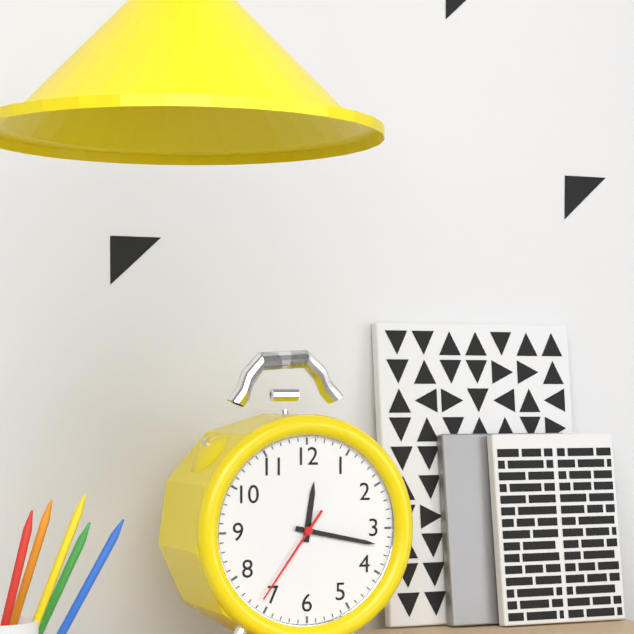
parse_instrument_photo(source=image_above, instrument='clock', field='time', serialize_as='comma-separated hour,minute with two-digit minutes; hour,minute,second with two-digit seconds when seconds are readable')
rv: 12,17,36
